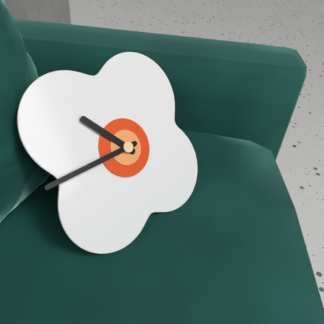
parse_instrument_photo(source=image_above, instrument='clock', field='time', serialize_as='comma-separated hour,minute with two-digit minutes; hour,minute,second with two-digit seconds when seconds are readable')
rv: 10,45
